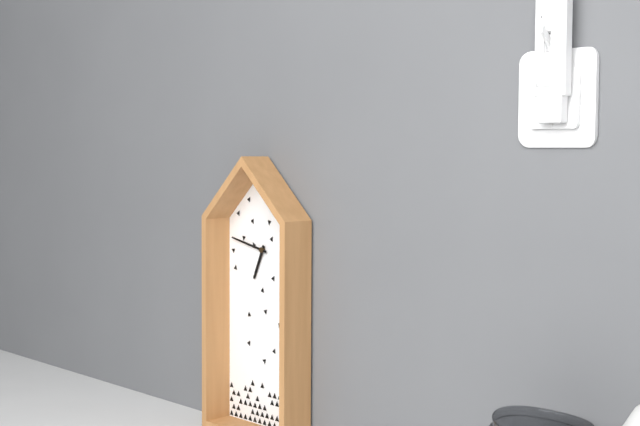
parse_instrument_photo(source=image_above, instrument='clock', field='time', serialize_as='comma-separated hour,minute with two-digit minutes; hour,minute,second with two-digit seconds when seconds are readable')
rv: 6,47
